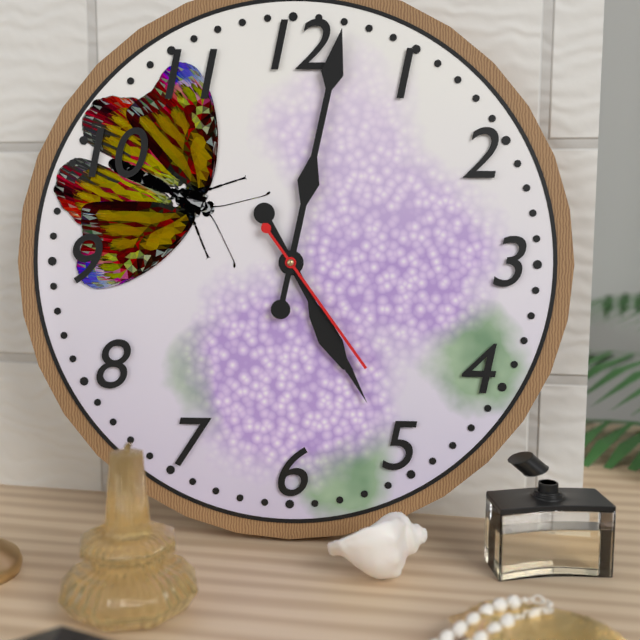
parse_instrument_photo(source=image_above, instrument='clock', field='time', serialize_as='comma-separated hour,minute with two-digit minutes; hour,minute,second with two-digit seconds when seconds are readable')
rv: 5,02,24
